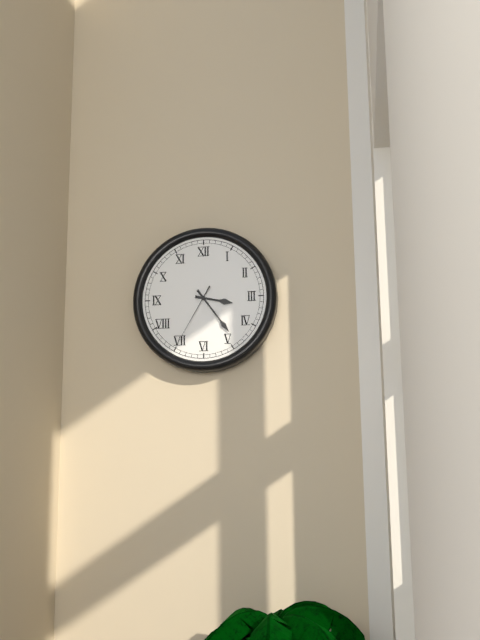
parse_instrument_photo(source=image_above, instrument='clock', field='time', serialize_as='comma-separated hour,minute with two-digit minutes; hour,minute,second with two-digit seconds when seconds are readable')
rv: 3,24,35
